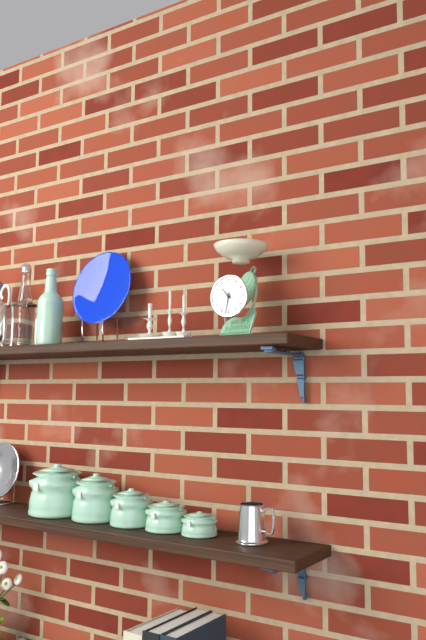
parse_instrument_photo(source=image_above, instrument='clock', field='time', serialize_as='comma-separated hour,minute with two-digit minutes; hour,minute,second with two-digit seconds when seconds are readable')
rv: 10,32
